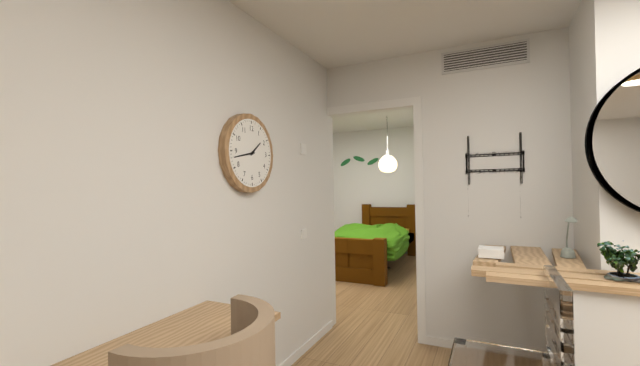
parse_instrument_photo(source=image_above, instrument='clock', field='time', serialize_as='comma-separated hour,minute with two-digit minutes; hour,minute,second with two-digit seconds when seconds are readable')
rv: 1,43
